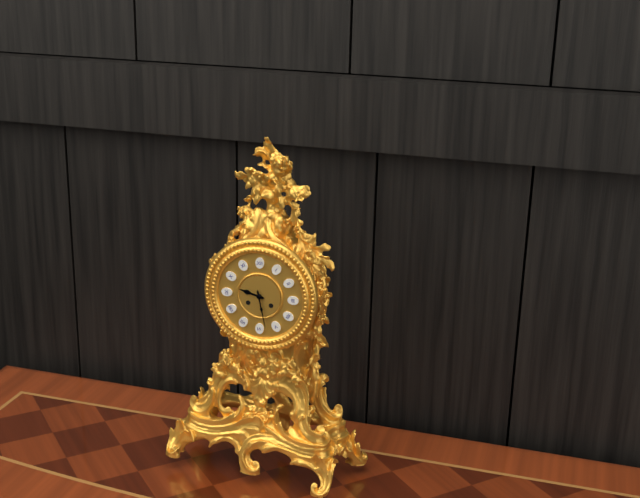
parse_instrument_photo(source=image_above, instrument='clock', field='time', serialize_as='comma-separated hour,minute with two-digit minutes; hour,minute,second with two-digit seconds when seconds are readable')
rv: 9,28
